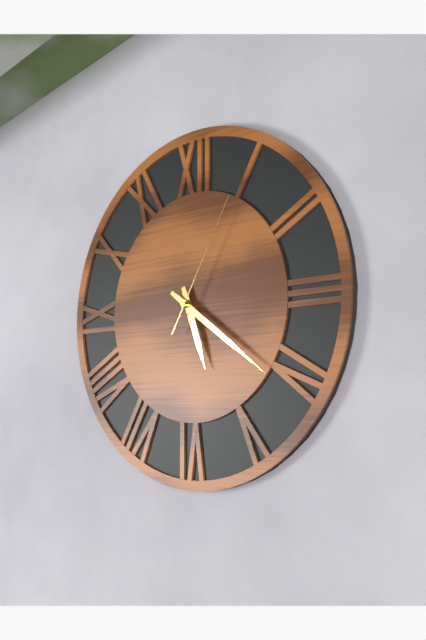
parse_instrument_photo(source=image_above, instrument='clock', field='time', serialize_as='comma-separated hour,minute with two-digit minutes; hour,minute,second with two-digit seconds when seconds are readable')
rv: 5,21,05
